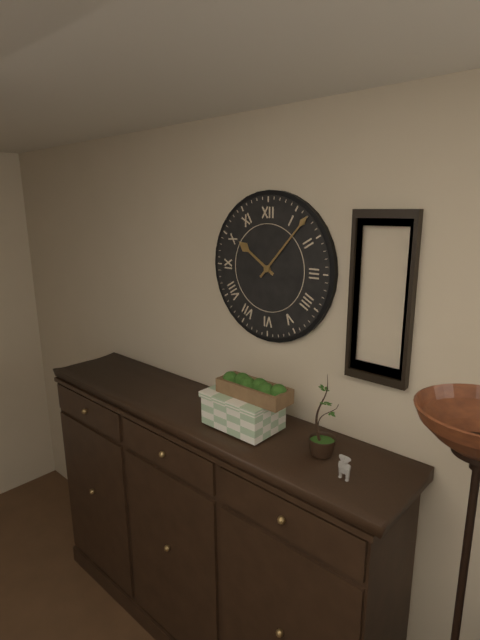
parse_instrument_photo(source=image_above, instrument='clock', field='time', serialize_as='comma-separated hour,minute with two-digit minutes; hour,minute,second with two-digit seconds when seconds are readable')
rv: 10,07
